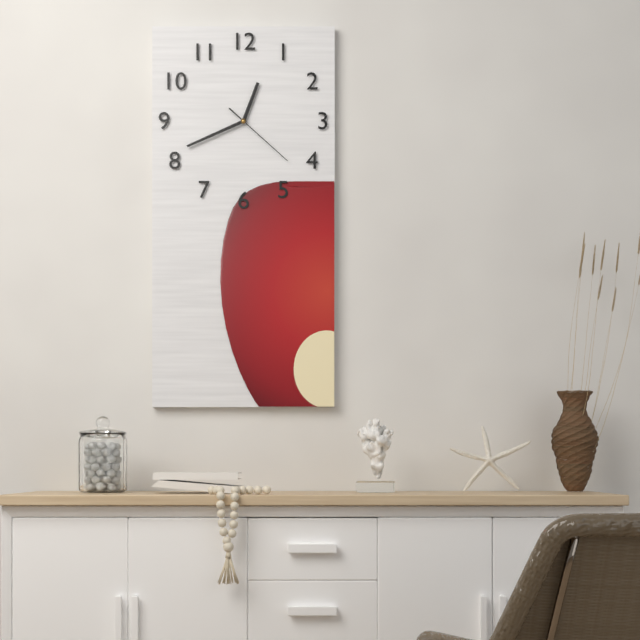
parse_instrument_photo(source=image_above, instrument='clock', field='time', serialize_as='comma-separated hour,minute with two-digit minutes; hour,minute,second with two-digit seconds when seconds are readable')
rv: 12,41,22
